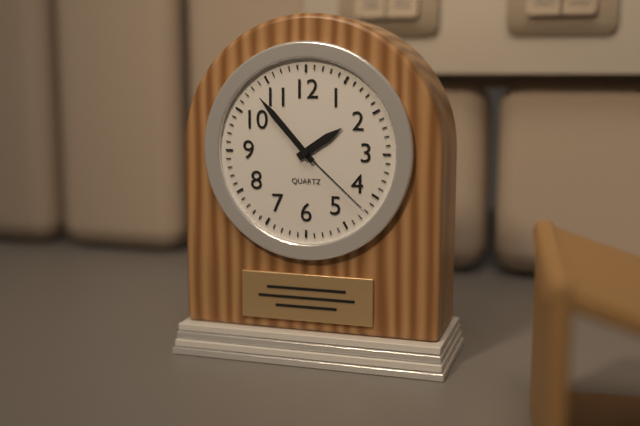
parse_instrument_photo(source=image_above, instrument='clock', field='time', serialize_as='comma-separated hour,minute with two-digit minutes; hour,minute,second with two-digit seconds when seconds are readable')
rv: 1,53,22
